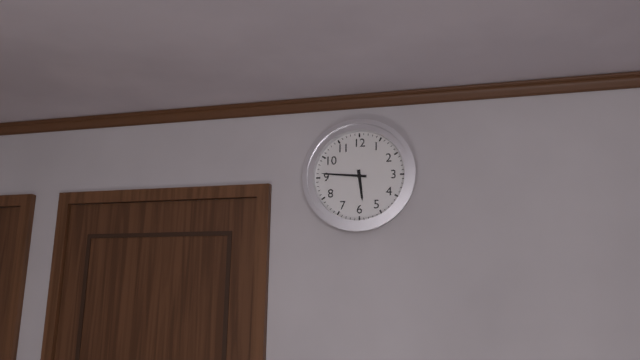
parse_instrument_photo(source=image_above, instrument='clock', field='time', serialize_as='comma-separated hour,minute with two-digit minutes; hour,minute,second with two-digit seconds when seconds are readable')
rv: 5,46
